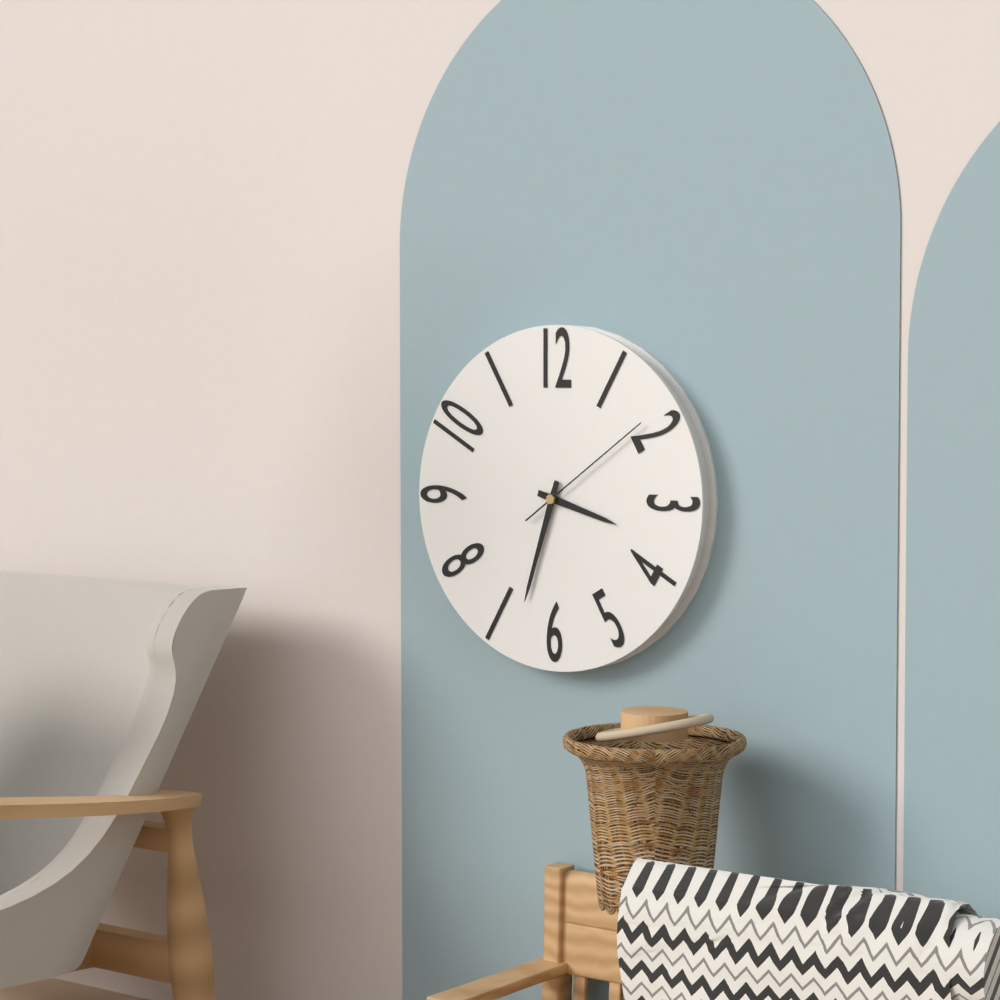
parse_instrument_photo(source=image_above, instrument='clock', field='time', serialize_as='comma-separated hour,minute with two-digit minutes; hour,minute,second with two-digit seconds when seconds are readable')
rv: 3,33,09
